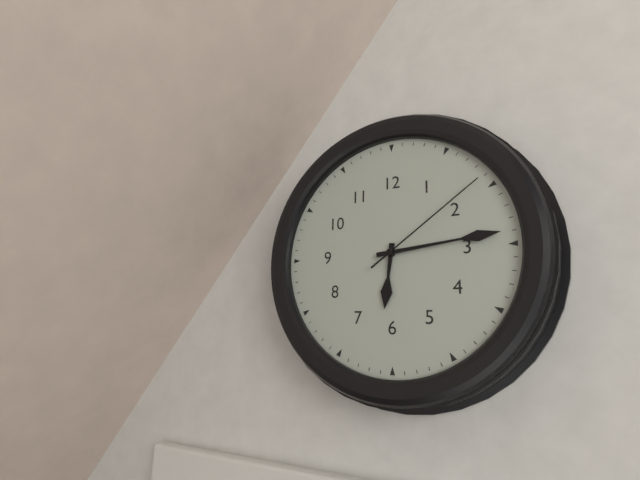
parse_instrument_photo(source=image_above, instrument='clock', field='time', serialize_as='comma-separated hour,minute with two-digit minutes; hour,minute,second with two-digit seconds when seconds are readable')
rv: 6,14,09
